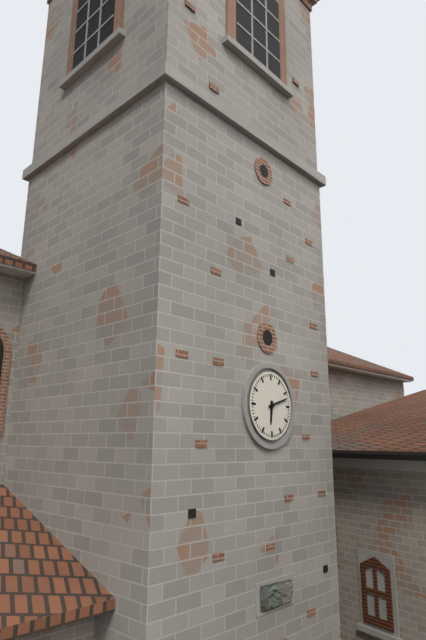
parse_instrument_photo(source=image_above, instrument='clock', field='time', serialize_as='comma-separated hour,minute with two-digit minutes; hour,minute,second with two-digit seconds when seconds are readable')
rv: 6,12
